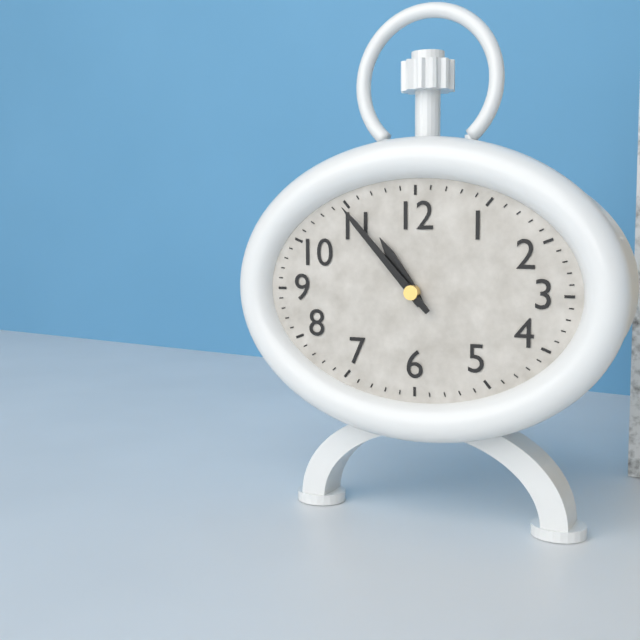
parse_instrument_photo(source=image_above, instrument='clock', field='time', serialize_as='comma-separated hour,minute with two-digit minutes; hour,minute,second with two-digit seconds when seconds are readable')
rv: 10,53
